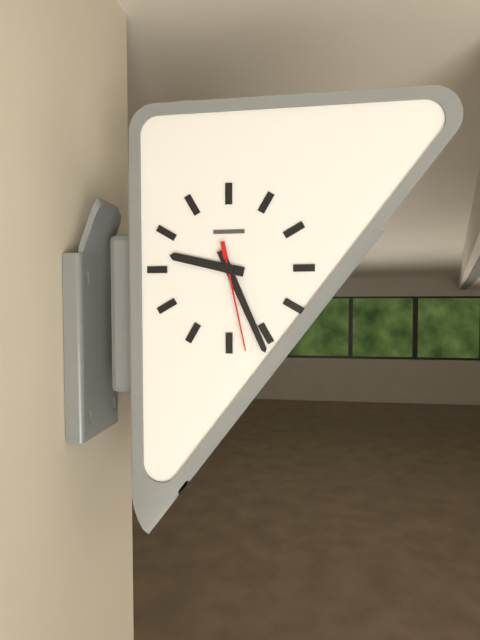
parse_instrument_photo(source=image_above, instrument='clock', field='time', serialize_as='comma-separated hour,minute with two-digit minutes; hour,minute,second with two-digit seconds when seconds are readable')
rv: 9,26,28
